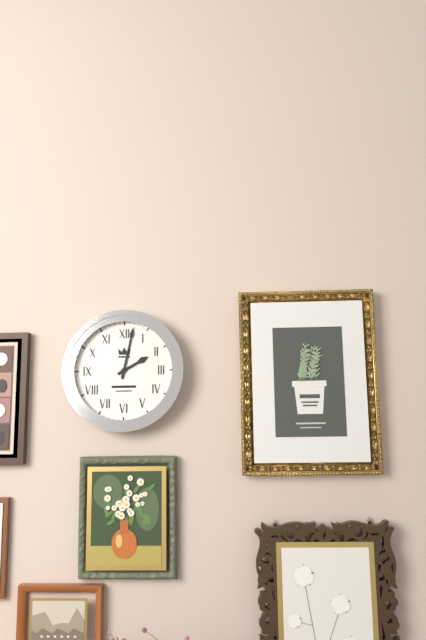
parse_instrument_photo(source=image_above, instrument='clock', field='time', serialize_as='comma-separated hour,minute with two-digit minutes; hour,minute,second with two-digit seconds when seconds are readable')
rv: 2,02
